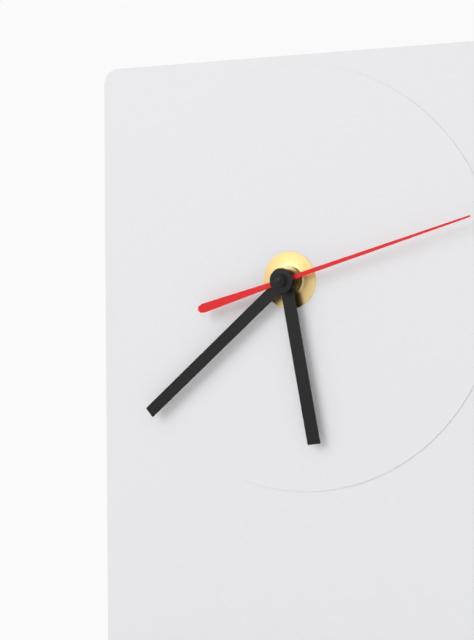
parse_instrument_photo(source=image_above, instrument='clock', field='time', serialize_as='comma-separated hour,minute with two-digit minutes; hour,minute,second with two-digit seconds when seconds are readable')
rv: 5,38,12
